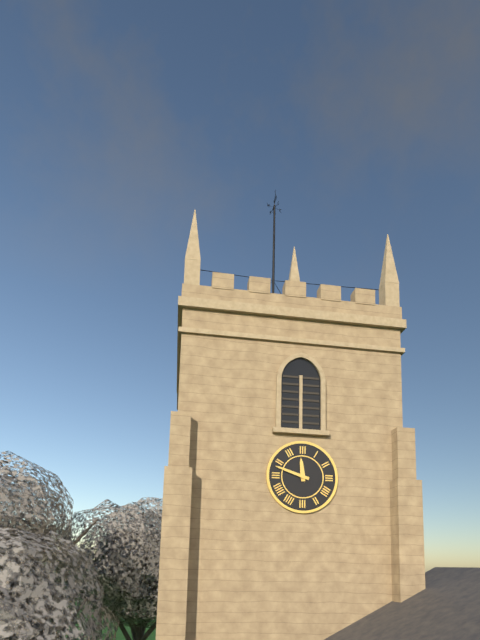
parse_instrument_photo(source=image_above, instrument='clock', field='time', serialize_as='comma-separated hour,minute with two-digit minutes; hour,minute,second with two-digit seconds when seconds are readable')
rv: 11,48
